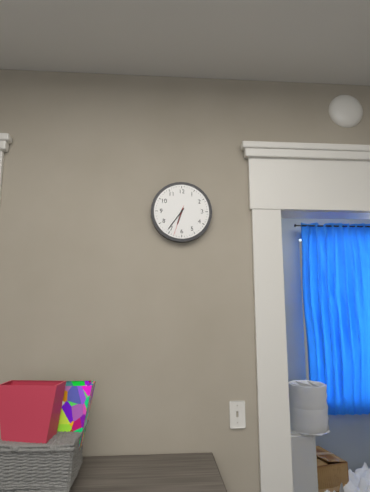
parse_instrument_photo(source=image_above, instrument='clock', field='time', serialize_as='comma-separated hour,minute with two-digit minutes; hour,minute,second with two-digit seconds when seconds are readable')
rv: 6,36
